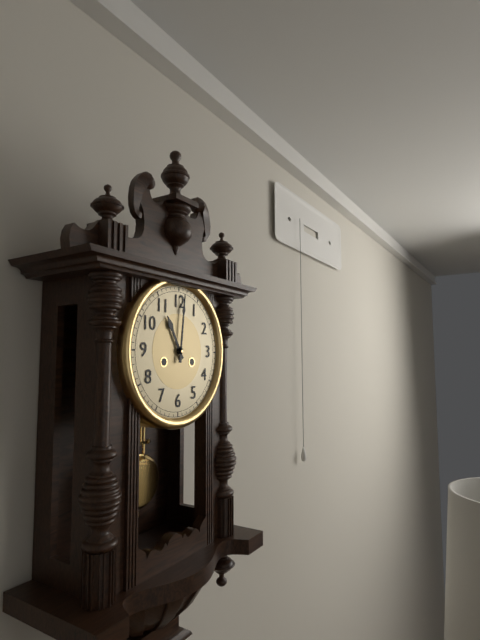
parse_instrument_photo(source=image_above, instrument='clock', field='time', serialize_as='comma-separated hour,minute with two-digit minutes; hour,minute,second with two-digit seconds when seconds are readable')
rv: 11,01
